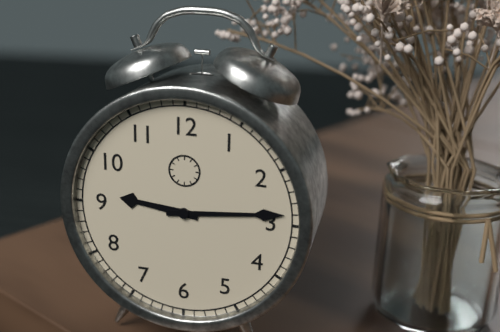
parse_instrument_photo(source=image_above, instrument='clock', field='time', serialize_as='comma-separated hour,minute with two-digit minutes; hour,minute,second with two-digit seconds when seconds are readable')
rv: 9,14
